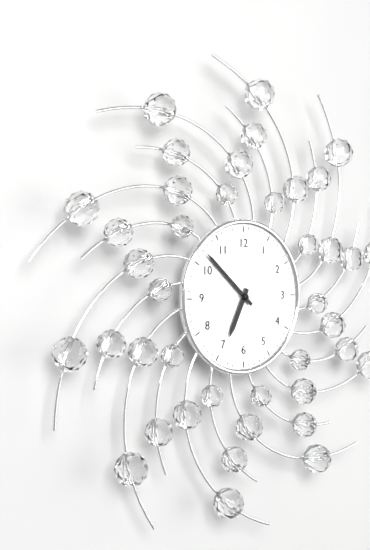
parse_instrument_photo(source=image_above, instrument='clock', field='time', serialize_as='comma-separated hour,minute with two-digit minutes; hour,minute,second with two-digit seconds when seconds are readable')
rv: 6,52
